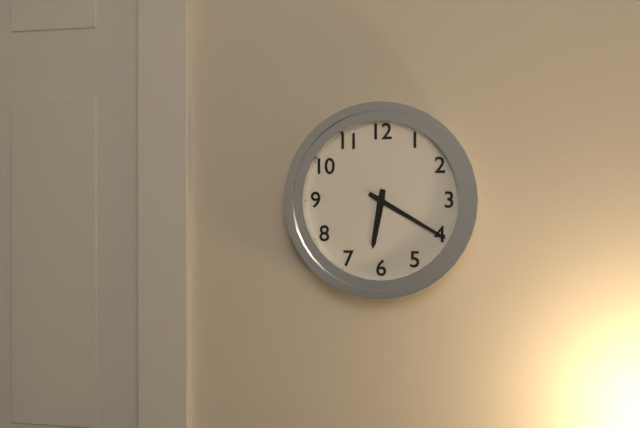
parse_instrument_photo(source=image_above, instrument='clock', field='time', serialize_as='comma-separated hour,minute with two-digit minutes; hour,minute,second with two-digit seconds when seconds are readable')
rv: 6,20
